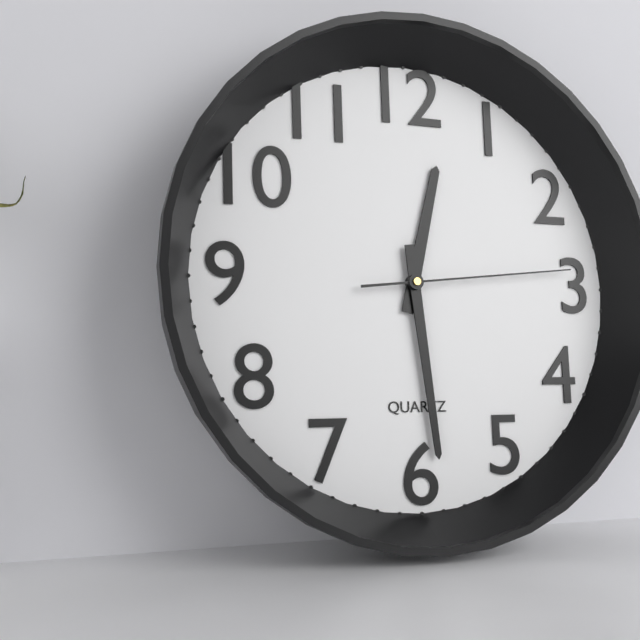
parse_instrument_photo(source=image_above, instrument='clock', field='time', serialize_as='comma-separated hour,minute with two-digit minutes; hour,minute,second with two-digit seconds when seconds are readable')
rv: 12,29,14
